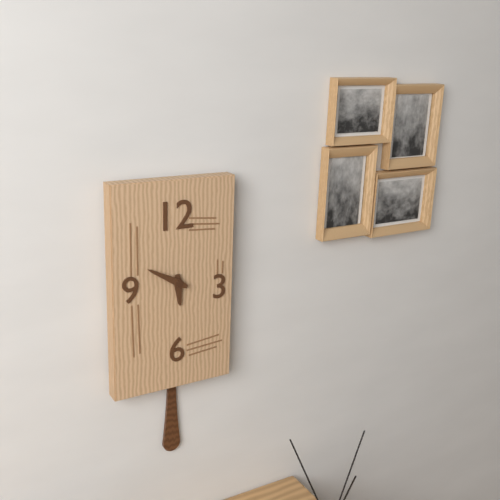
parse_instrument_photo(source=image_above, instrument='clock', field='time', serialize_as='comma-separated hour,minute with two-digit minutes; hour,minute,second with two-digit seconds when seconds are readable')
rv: 5,50
